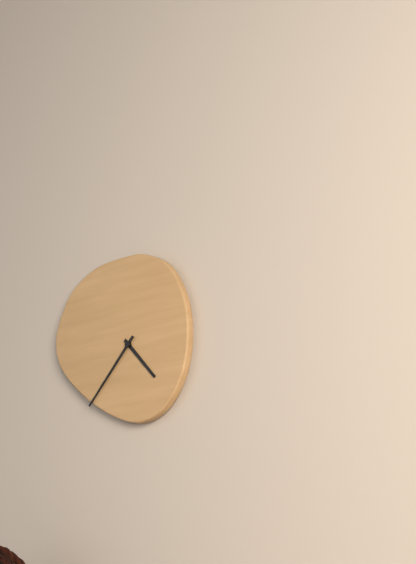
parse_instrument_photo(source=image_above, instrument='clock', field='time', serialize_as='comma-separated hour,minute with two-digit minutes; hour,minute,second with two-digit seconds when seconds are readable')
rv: 4,37
